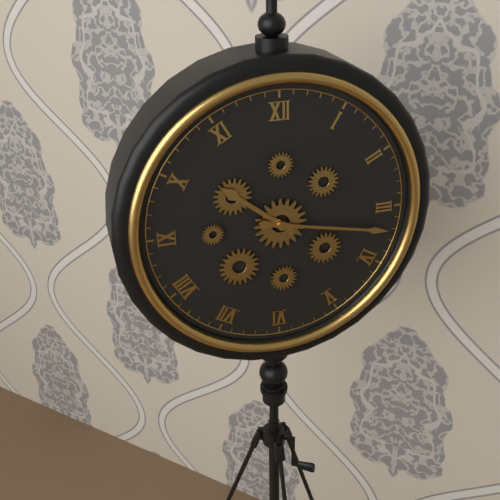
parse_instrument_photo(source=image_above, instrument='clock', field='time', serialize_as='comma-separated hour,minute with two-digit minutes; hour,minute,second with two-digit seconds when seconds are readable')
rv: 10,17
